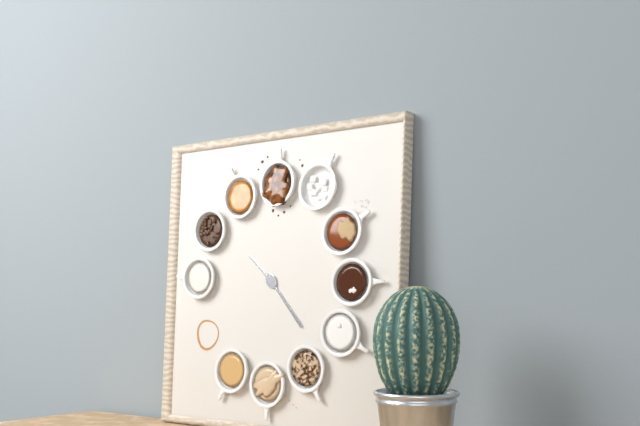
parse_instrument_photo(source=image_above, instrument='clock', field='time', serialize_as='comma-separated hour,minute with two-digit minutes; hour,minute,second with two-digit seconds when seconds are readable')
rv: 10,23
